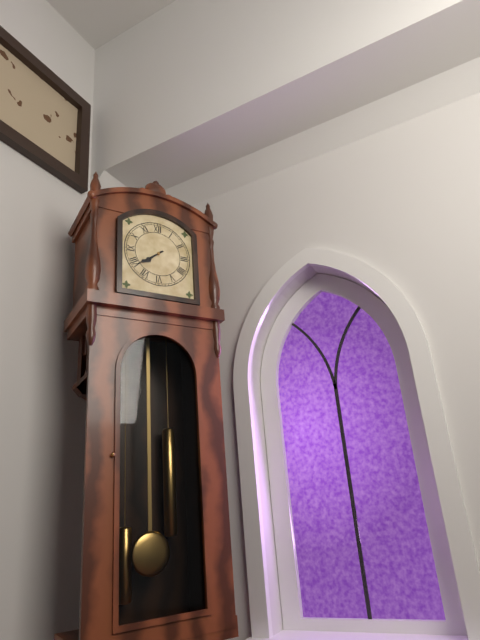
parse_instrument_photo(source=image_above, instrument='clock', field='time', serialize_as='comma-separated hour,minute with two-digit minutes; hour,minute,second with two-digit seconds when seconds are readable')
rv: 7,39
